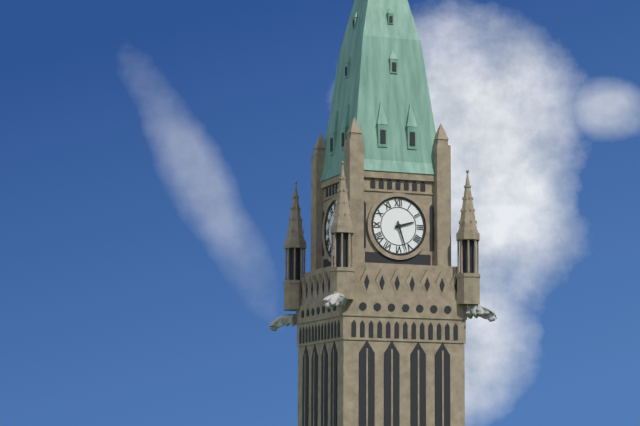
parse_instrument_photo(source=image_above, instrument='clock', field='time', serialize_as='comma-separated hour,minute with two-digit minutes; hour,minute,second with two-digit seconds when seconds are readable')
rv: 2,27
